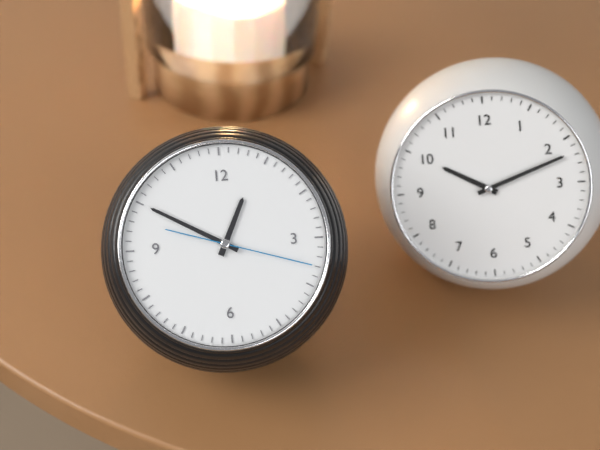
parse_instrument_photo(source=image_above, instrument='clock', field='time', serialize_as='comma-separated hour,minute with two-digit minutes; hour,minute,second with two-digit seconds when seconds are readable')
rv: 12,50,18
